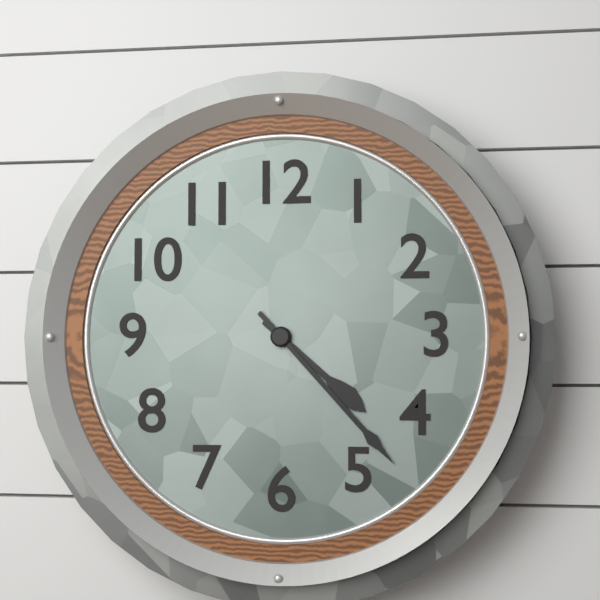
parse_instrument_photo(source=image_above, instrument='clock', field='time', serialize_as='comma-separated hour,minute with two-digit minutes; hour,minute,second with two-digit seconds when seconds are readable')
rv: 4,23
